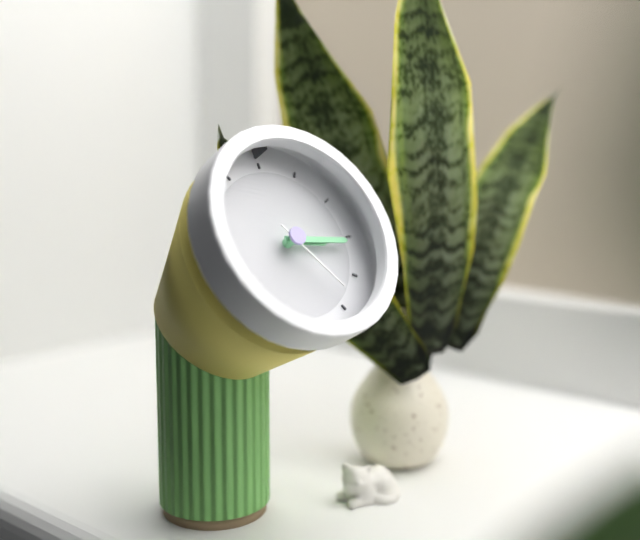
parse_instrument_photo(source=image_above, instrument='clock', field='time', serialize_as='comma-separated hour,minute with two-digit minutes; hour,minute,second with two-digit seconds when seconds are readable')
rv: 3,16,24
